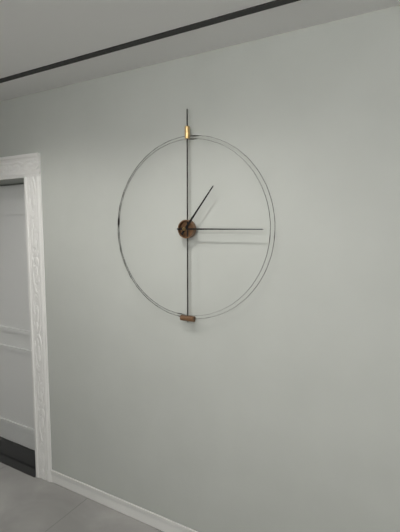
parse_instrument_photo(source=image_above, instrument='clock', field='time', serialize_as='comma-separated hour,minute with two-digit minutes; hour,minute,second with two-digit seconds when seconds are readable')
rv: 1,15
